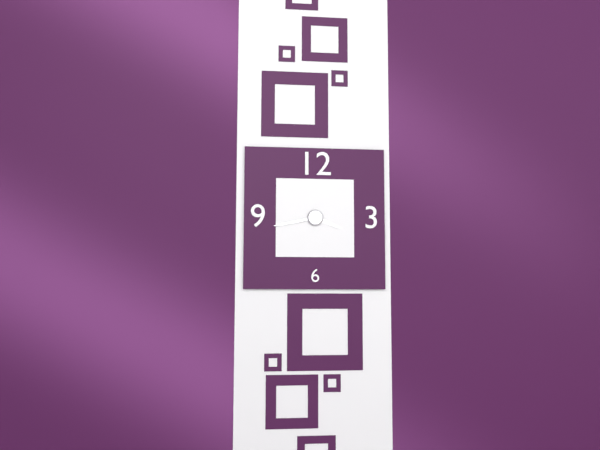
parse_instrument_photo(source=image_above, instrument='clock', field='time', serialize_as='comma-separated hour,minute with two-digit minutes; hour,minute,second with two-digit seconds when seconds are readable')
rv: 3,43
